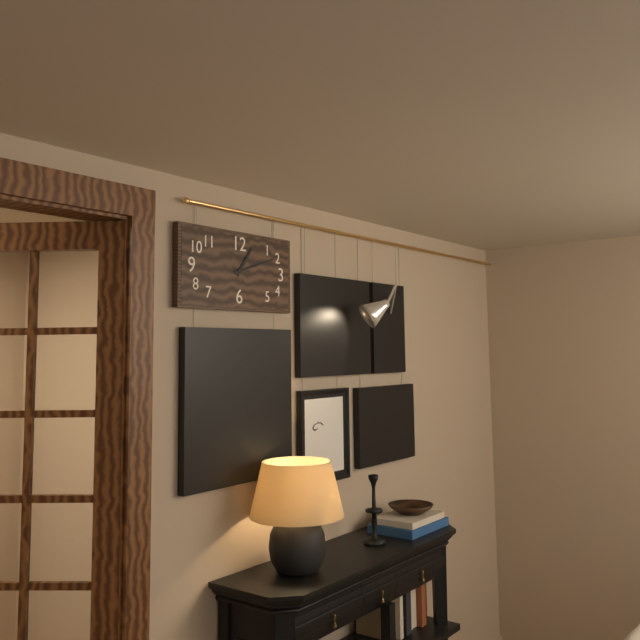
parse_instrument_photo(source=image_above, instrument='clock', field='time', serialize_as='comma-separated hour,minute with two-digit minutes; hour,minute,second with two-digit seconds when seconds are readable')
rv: 1,12
